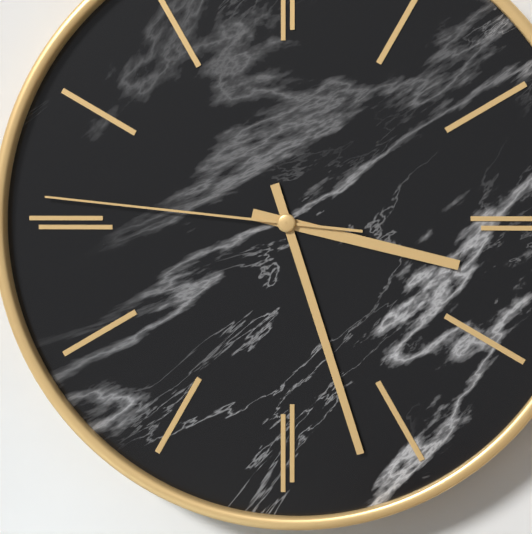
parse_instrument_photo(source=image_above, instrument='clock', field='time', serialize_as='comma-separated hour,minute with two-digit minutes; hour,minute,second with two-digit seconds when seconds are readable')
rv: 3,27,46
